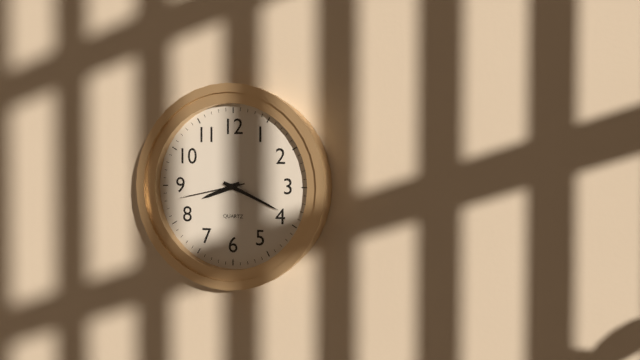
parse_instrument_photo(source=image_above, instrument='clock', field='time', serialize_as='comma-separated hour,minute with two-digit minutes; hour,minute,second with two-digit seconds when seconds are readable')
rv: 8,19,43
